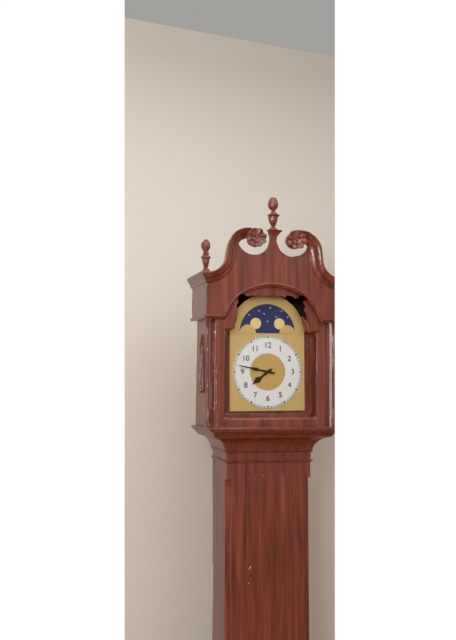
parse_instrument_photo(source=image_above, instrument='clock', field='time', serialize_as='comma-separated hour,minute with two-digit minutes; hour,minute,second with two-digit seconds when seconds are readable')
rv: 7,47
